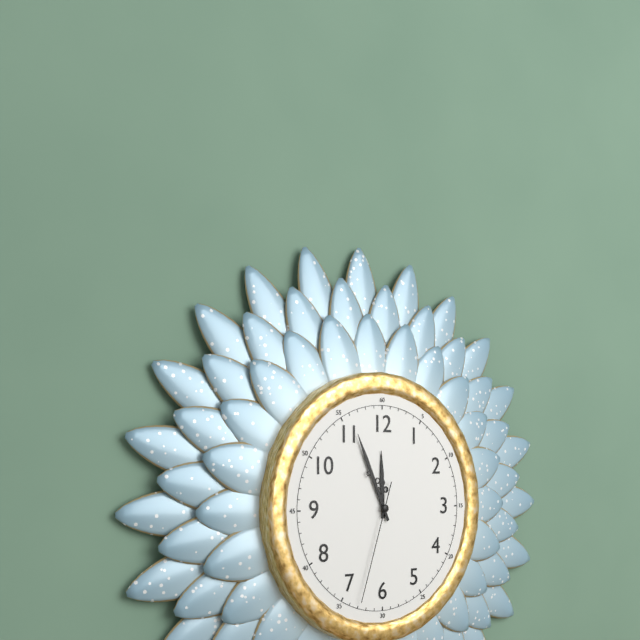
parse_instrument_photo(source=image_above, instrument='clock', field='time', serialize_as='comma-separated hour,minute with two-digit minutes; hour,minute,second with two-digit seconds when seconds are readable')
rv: 11,56,33
